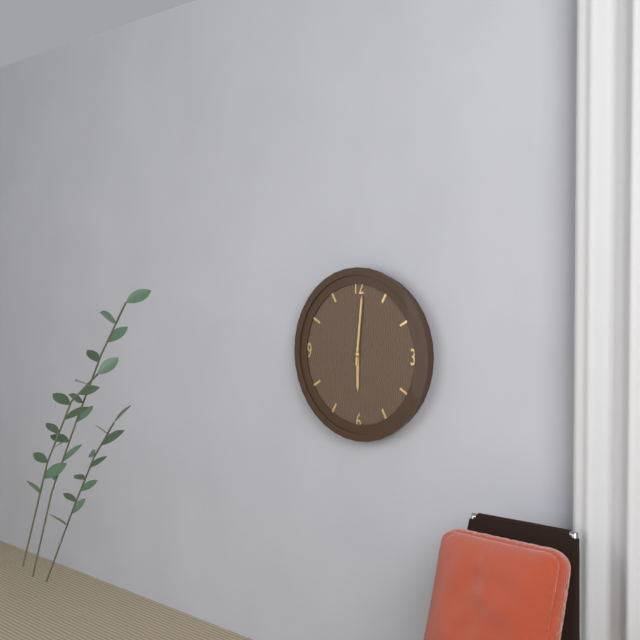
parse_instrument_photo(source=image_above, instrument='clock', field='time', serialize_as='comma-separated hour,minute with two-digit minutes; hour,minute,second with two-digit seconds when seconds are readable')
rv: 6,01
